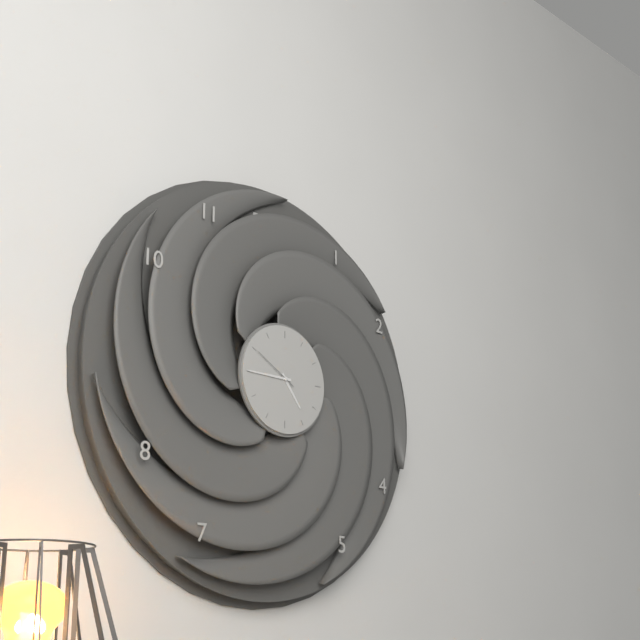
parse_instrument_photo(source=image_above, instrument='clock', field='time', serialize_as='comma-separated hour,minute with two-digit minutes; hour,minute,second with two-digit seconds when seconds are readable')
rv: 4,45,50
